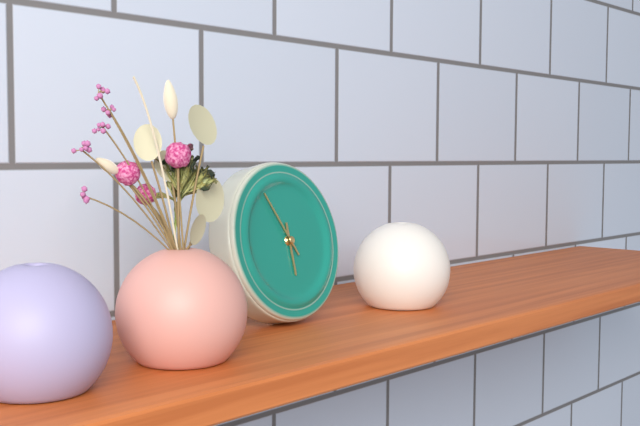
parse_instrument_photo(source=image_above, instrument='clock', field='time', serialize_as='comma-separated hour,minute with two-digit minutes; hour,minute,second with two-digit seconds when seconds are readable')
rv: 5,55
